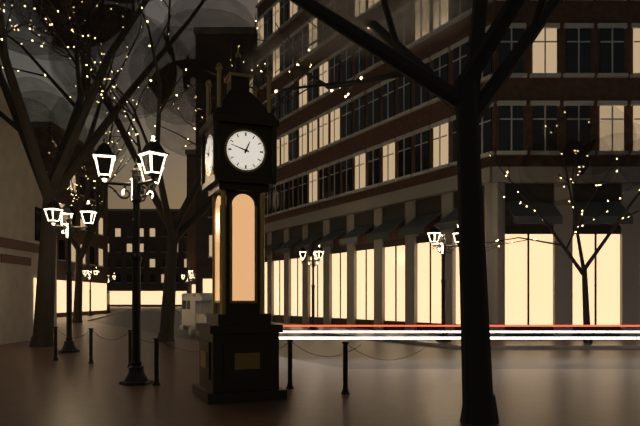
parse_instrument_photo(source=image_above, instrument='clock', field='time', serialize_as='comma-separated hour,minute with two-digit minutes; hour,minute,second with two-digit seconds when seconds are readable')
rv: 12,48
